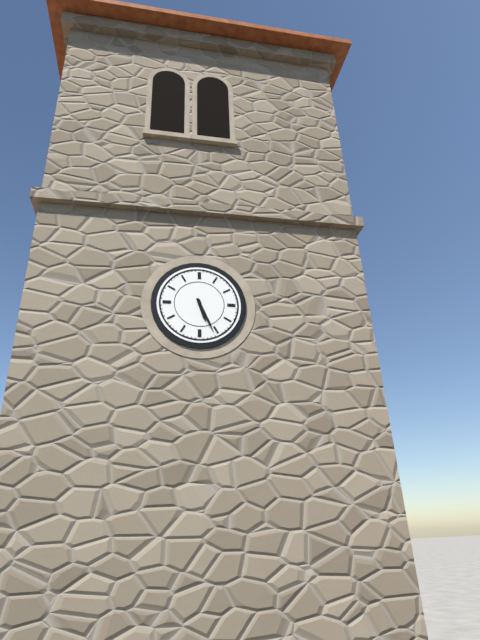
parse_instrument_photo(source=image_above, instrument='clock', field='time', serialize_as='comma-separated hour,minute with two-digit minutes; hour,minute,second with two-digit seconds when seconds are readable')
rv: 5,26
